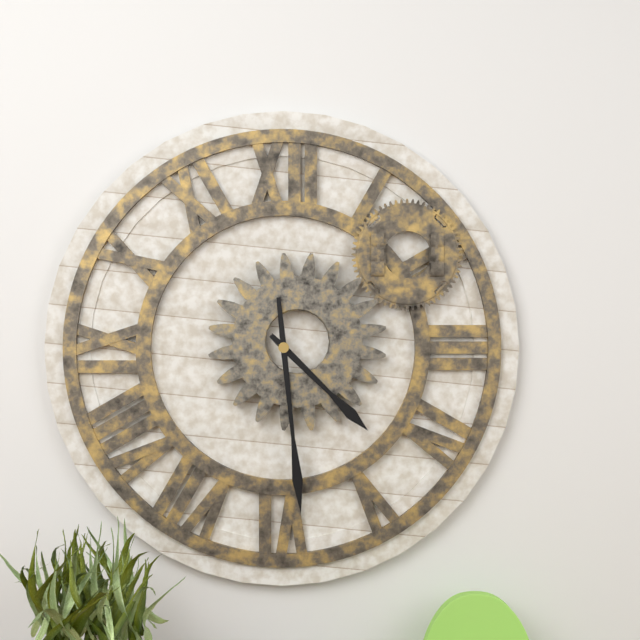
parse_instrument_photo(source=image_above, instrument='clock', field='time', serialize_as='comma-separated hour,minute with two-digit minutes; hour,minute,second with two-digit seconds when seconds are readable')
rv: 4,29
